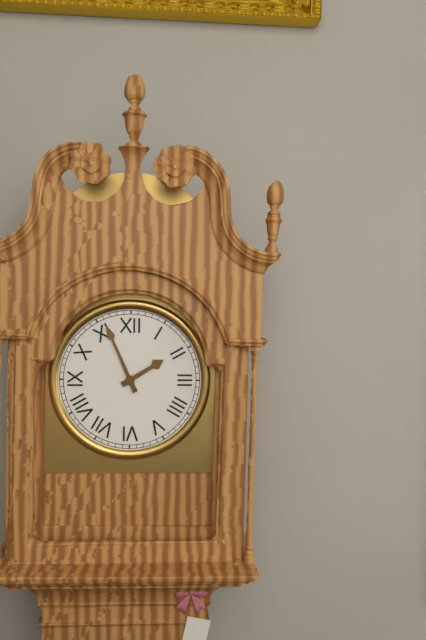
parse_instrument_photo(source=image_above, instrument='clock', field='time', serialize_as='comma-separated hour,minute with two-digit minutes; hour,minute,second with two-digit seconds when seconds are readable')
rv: 1,56
